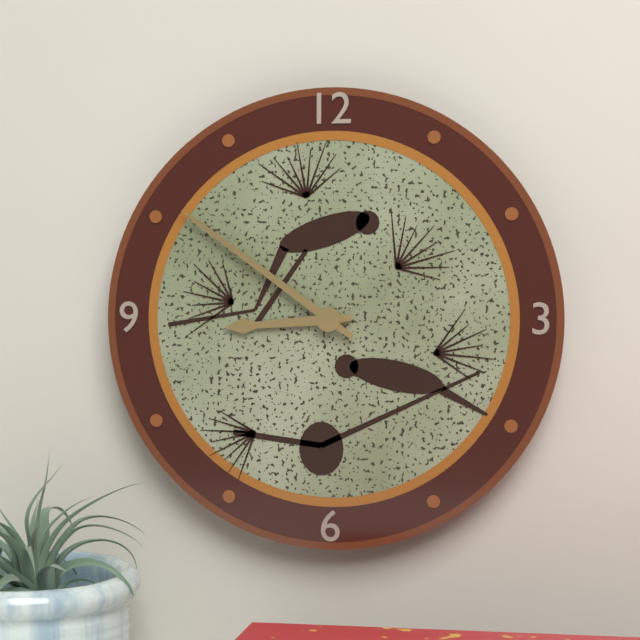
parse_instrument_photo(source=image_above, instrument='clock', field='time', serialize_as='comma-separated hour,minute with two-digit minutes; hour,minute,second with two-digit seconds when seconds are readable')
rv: 8,51
